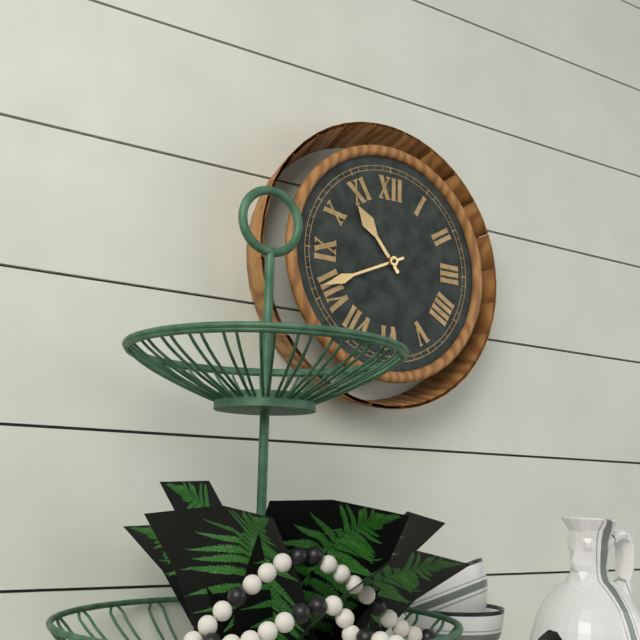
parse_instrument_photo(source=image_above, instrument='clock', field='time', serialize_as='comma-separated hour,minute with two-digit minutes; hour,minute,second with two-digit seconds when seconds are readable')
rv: 10,41
